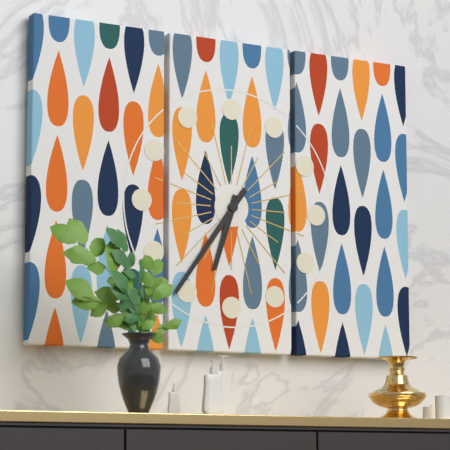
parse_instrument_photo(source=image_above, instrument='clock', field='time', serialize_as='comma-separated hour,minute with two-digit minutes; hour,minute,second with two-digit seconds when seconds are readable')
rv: 6,36
